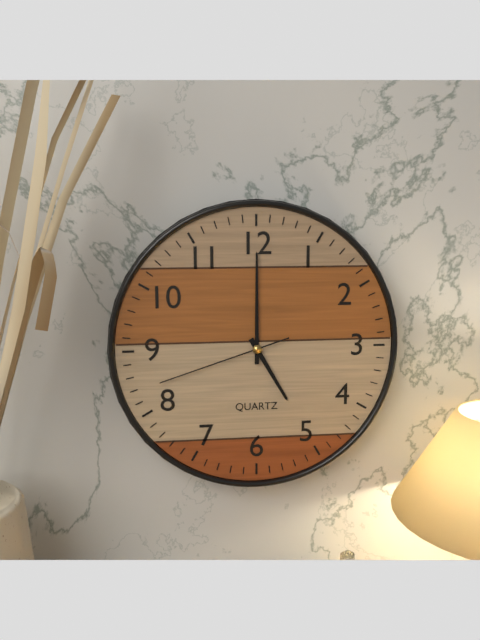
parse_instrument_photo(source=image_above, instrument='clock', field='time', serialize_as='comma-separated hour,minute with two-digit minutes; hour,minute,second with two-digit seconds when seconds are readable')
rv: 5,00,42
